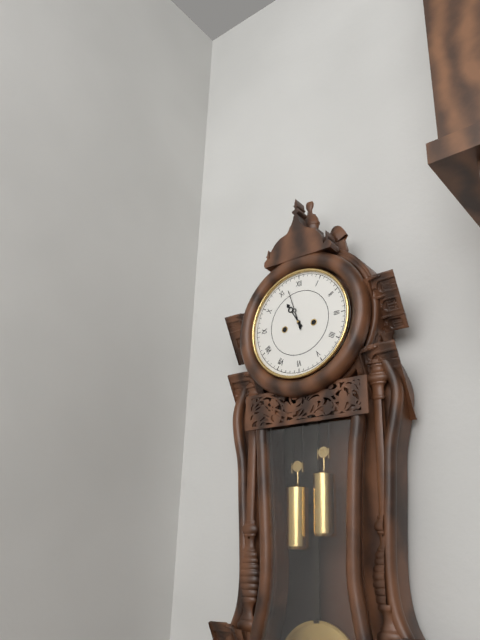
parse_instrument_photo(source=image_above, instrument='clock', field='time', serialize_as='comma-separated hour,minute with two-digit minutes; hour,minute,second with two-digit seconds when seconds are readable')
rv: 10,57
